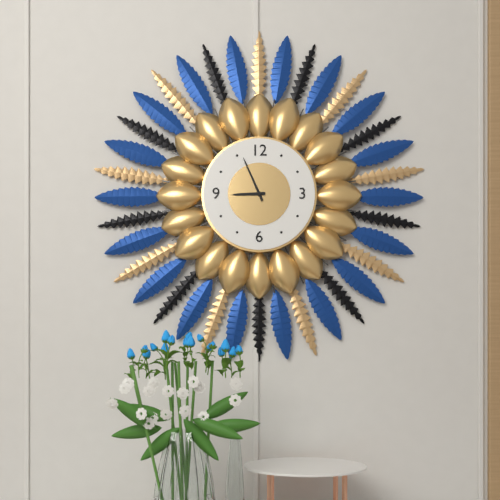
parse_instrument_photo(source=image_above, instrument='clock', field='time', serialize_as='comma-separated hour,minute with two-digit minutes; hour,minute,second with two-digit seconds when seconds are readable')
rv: 8,56
